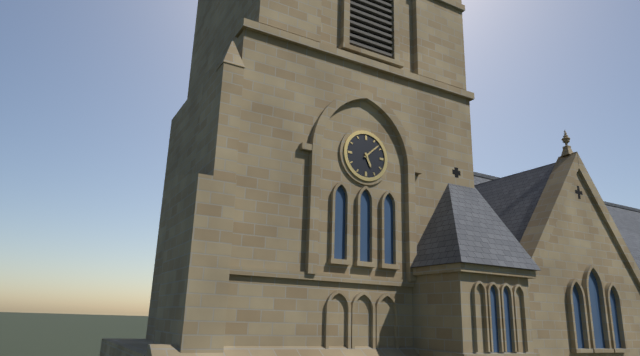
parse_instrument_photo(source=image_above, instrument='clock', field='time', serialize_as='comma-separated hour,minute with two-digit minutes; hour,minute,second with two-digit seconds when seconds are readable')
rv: 5,08
